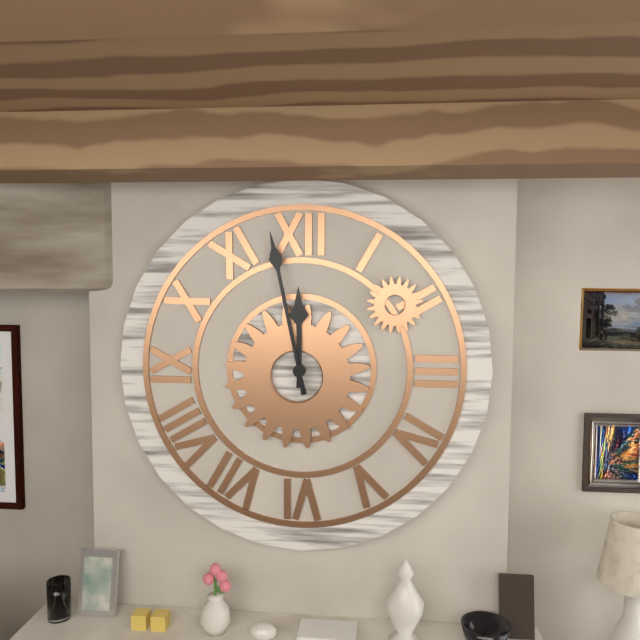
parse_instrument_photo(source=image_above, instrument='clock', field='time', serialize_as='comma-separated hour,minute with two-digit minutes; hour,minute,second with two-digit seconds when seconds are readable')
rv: 11,58
